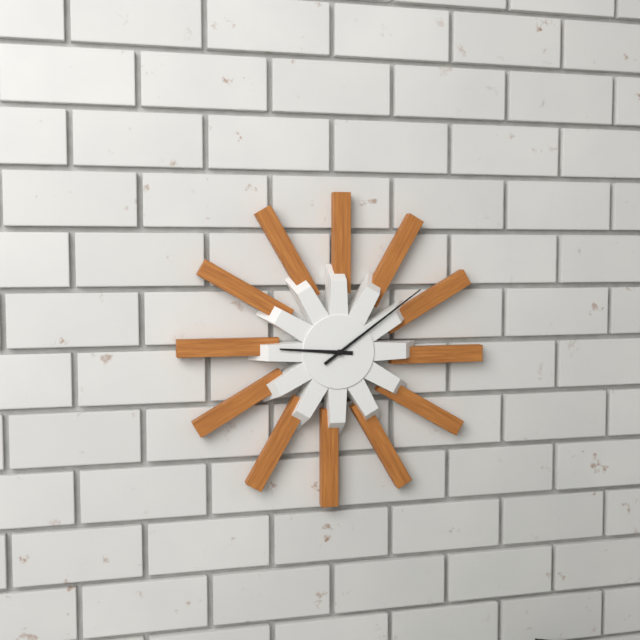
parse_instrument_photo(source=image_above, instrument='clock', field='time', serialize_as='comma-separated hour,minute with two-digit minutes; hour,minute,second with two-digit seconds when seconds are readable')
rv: 9,09
